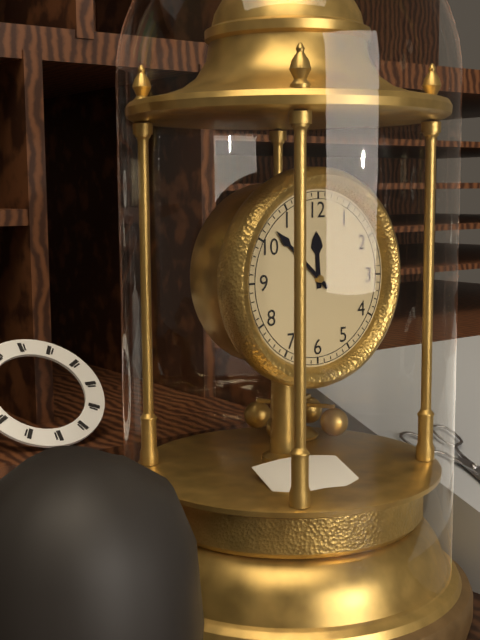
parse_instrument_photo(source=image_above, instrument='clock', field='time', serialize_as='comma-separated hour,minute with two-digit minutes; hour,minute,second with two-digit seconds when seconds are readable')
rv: 11,52
